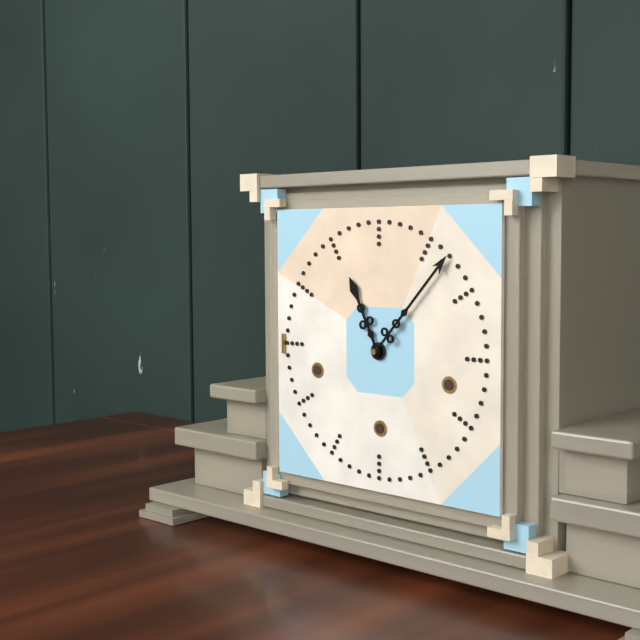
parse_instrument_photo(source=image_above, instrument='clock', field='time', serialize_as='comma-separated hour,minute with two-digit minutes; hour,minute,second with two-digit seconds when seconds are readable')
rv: 11,07
